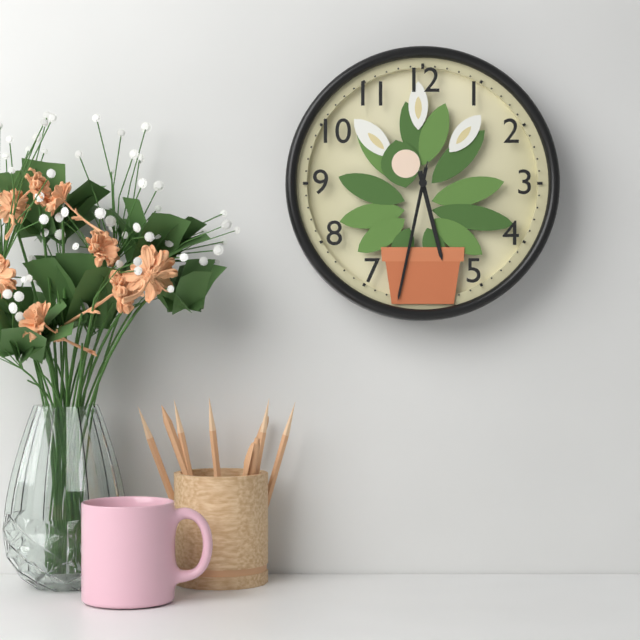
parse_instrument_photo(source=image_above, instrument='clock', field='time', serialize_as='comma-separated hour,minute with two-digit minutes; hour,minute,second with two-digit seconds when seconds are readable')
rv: 5,32,32
